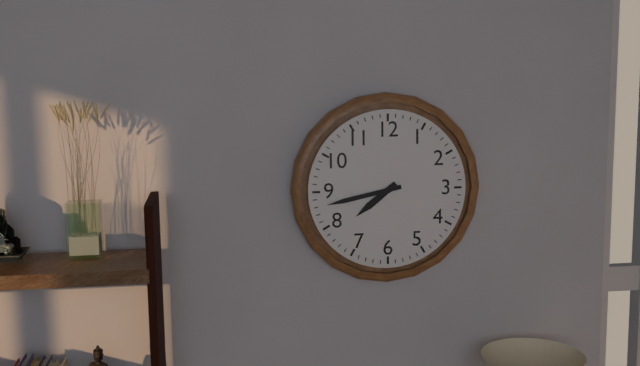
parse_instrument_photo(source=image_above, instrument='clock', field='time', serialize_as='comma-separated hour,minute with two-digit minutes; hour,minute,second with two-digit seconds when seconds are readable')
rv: 7,43
